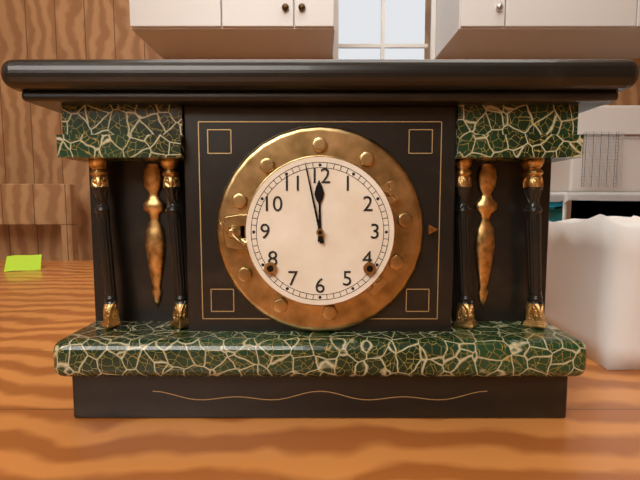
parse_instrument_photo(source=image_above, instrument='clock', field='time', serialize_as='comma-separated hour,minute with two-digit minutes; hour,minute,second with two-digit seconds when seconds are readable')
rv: 11,58
